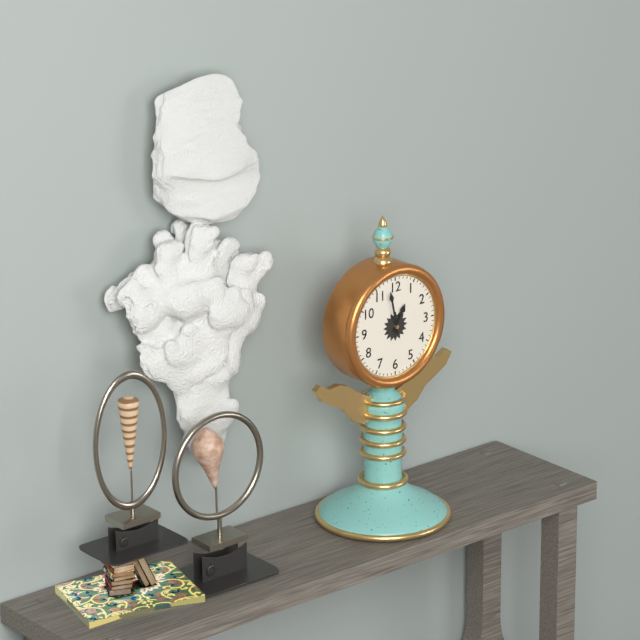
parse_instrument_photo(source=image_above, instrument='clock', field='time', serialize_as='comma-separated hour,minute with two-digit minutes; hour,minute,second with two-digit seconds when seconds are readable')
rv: 12,58
